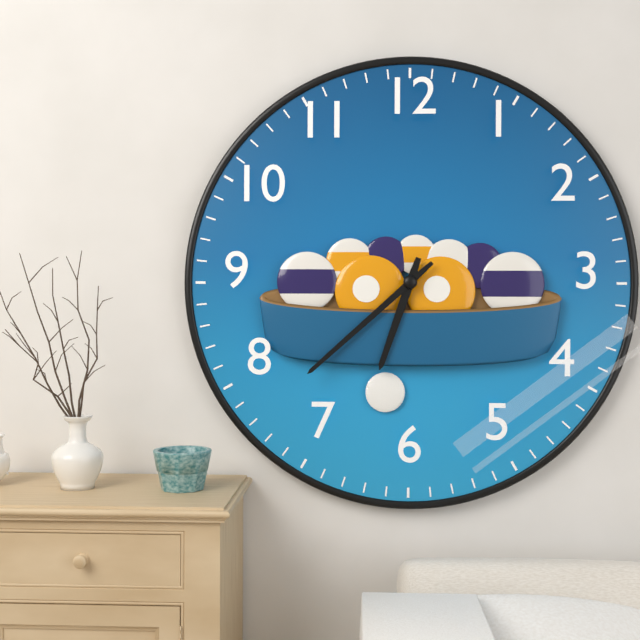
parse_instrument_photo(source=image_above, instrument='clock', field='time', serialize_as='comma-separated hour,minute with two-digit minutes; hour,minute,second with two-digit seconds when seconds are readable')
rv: 6,38
